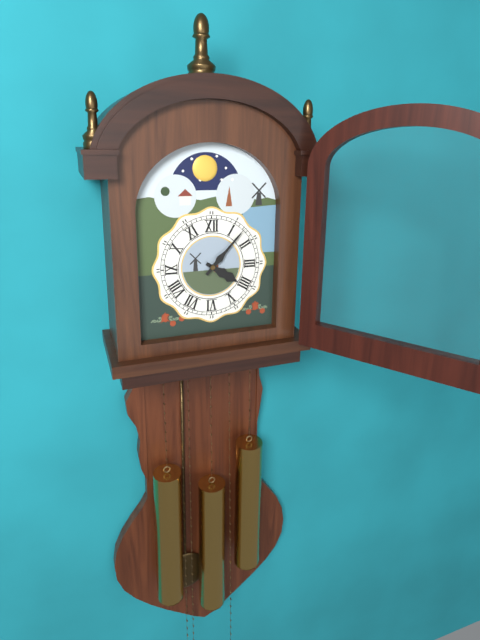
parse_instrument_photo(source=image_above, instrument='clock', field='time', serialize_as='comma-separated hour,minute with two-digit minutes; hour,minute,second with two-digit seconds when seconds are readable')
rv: 4,07
